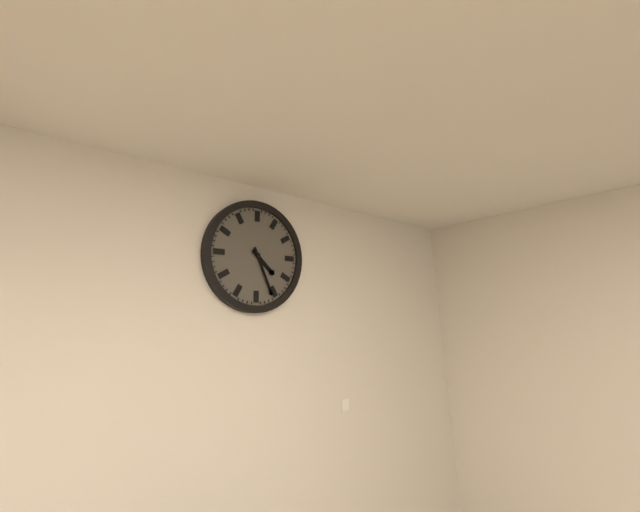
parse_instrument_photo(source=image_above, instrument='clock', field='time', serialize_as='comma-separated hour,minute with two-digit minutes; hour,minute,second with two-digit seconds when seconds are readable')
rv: 4,26
